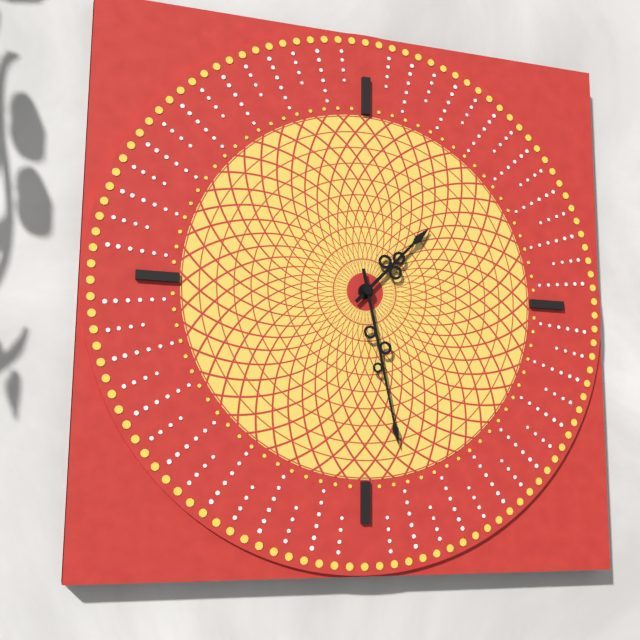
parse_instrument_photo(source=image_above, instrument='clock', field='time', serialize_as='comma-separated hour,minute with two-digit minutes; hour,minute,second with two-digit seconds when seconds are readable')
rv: 1,28
